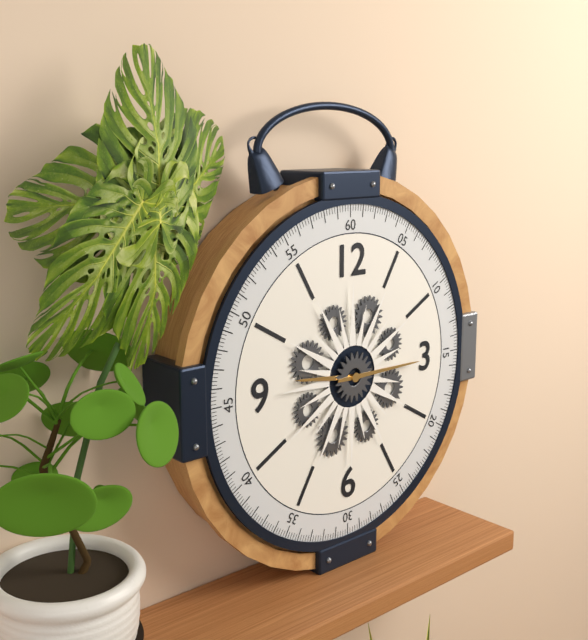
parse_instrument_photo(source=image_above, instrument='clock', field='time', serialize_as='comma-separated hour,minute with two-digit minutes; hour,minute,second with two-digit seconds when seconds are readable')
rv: 9,15
